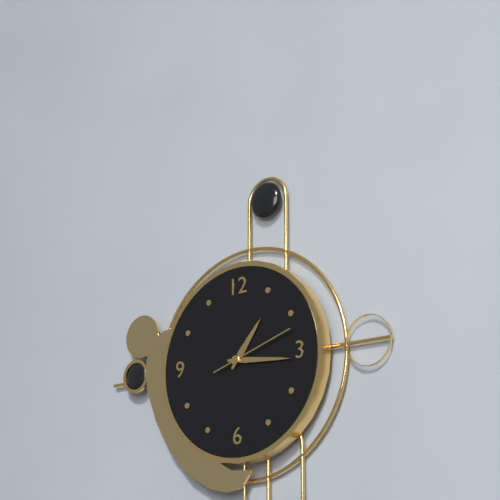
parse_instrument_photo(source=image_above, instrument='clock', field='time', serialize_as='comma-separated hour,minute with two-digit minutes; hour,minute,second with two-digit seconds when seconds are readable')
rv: 1,16,12
